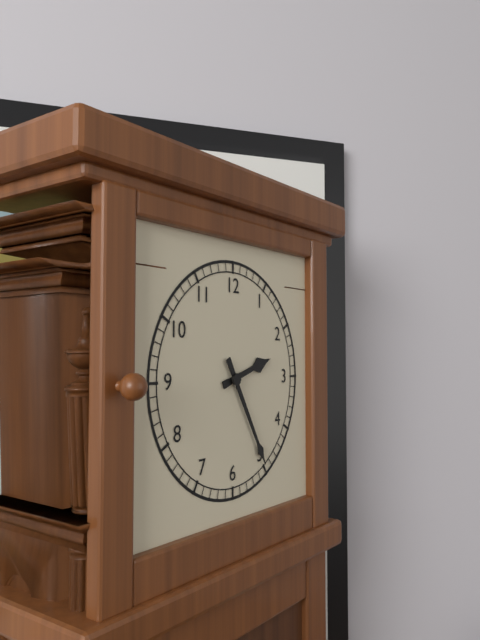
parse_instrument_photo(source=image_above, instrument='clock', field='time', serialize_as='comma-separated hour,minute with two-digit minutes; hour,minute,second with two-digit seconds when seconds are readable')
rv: 2,25
